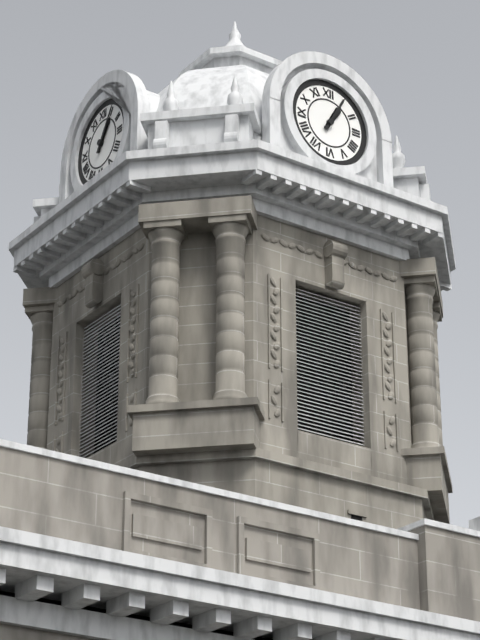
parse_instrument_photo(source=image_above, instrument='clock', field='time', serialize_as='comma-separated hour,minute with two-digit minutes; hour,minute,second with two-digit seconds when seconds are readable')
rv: 1,05
